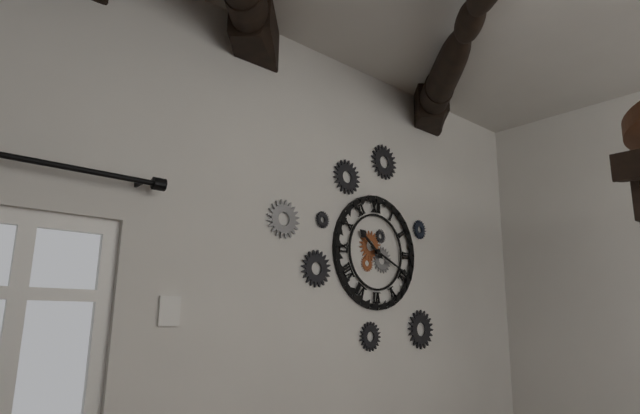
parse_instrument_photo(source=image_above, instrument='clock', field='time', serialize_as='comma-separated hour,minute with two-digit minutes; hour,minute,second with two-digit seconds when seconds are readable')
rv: 10,19
